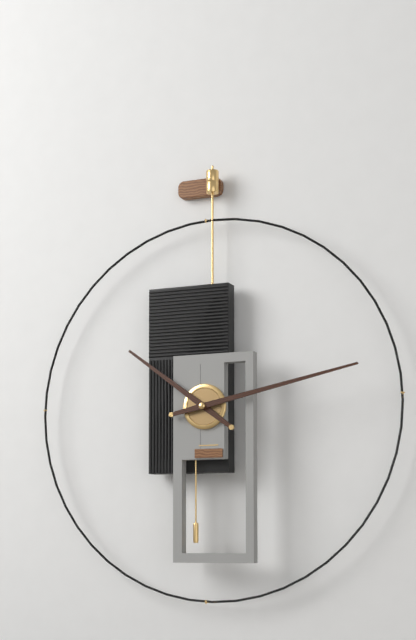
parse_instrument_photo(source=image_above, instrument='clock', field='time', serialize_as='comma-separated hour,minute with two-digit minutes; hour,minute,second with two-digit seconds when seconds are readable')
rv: 10,13
